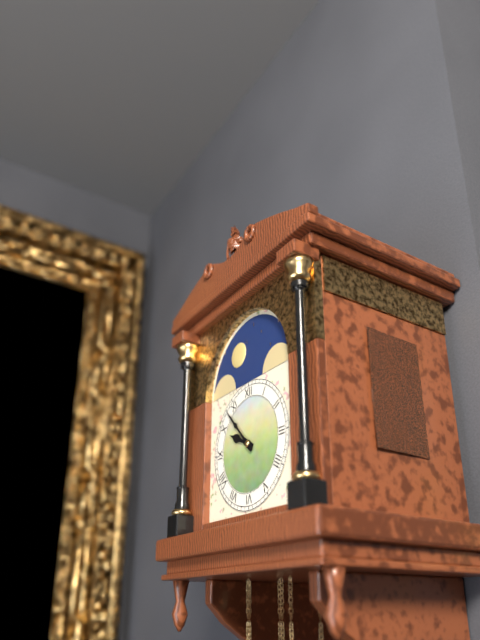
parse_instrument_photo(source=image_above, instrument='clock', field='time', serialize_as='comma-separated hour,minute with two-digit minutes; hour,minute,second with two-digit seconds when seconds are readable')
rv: 9,53
